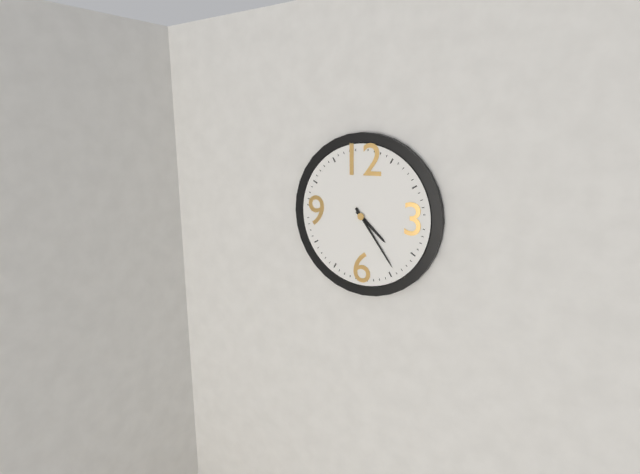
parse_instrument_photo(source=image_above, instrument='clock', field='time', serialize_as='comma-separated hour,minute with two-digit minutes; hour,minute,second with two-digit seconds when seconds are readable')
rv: 4,24
